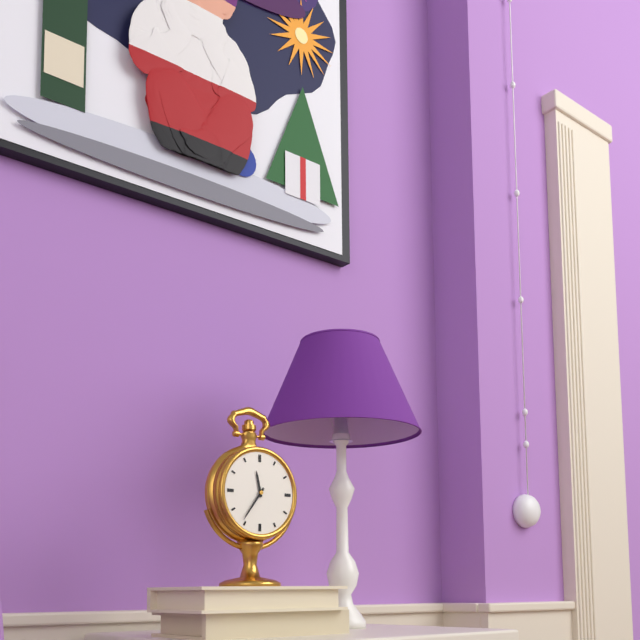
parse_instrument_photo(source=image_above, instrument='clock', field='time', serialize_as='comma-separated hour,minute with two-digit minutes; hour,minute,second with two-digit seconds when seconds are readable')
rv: 11,36
